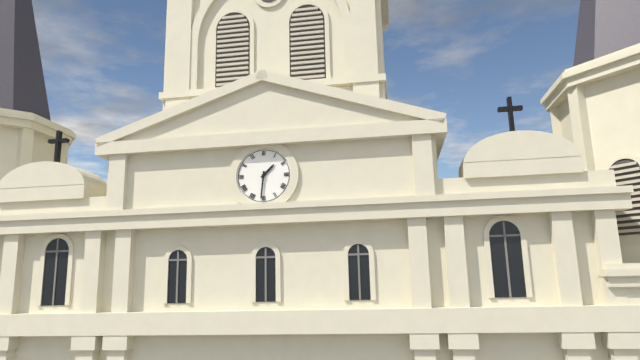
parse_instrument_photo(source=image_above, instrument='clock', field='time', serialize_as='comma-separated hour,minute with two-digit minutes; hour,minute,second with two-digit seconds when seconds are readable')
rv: 1,31
